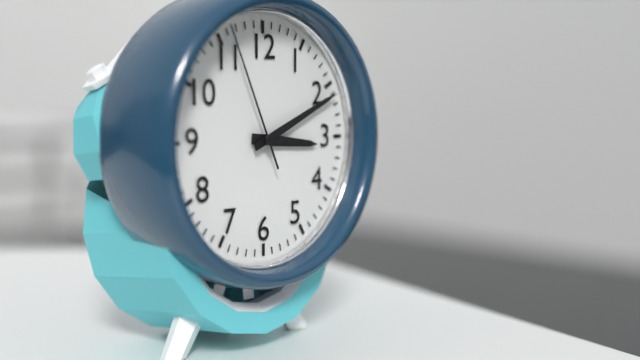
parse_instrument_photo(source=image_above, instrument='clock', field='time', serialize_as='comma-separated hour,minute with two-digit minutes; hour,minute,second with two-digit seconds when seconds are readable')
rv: 3,11,56
